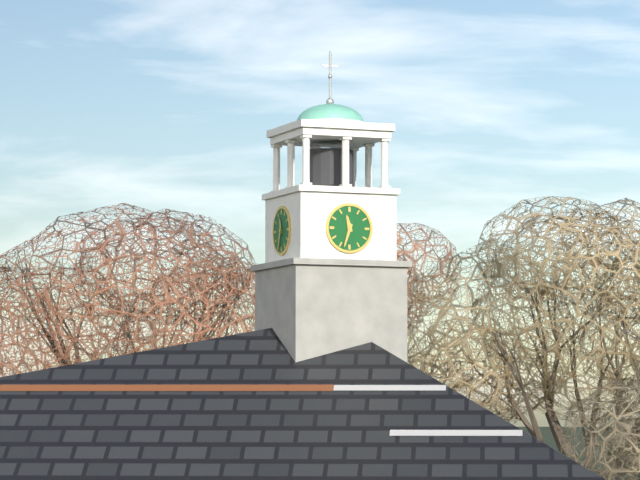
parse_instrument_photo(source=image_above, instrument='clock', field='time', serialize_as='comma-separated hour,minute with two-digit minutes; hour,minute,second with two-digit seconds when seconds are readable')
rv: 11,33
